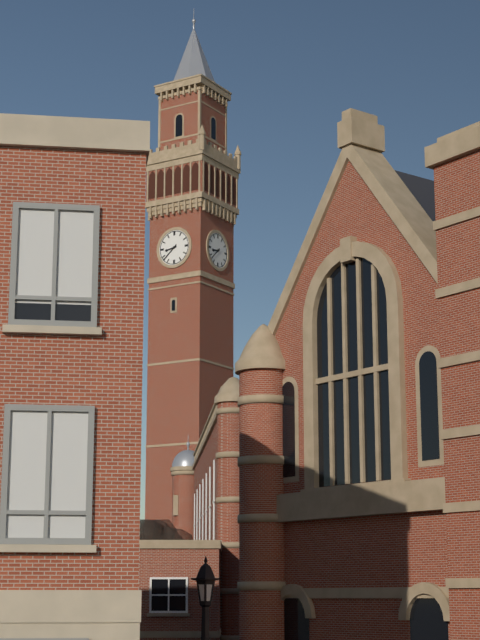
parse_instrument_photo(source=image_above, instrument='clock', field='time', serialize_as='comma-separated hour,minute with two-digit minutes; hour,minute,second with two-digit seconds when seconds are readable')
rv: 8,38
